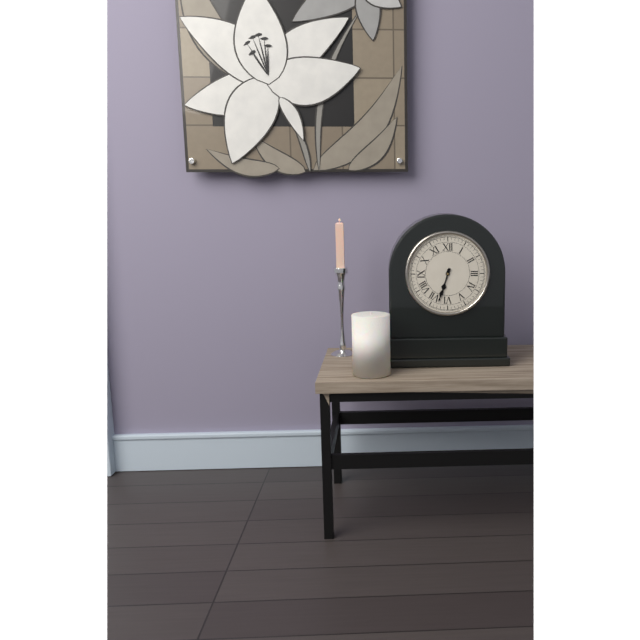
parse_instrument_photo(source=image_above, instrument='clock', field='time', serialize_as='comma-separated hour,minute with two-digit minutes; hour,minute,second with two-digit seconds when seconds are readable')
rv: 6,33
